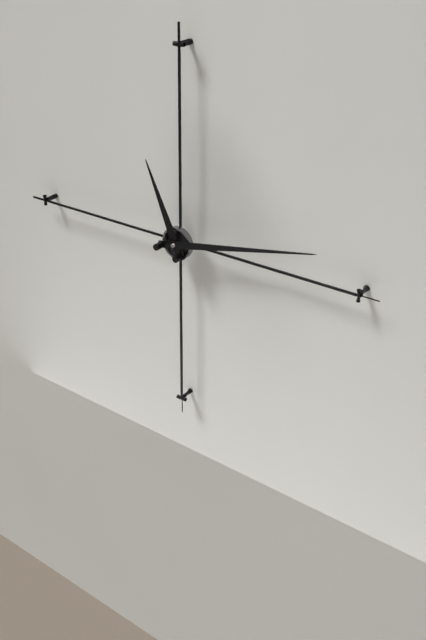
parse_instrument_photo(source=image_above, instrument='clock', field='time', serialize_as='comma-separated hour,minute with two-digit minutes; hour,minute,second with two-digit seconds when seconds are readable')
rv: 11,13
